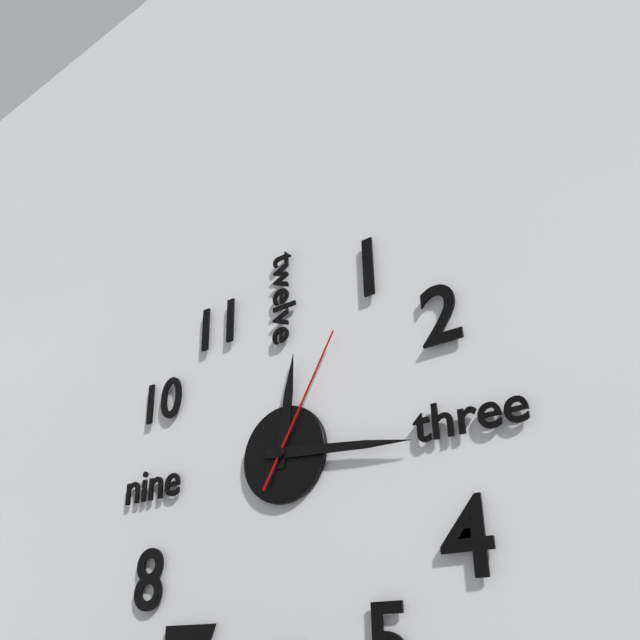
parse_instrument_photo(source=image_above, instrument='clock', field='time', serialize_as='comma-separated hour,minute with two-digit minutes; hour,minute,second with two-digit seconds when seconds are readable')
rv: 12,16,05
